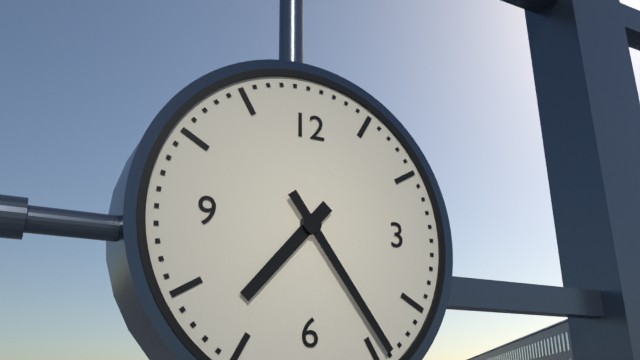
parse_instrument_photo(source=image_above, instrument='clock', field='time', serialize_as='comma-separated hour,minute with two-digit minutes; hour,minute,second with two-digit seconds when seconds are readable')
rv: 7,24
